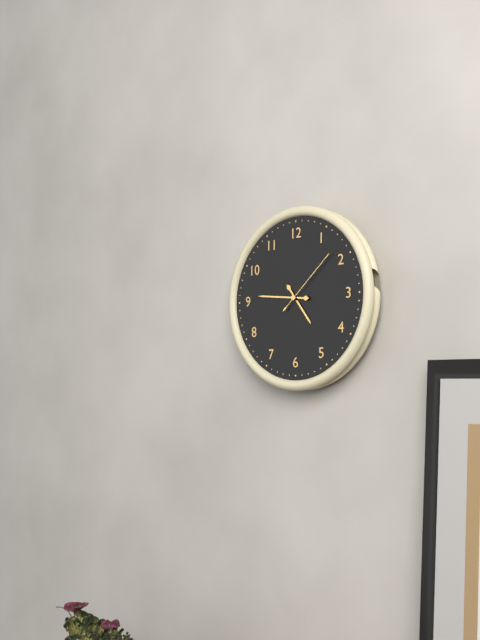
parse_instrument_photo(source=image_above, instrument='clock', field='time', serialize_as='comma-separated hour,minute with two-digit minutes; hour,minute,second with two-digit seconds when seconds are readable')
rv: 4,46,08
